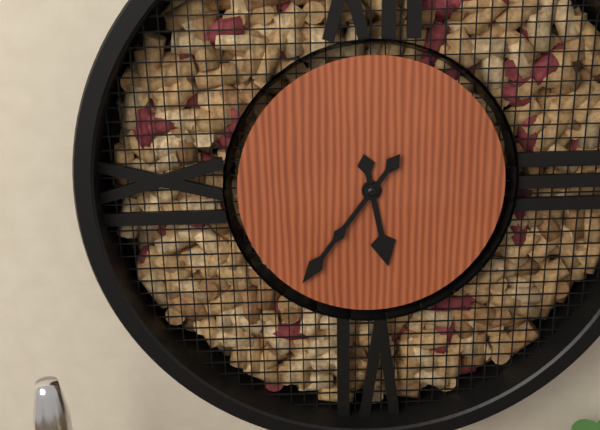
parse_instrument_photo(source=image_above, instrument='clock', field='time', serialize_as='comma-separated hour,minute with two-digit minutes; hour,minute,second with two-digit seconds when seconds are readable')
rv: 5,36
